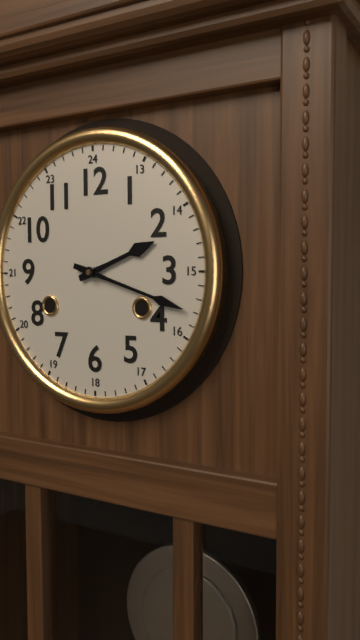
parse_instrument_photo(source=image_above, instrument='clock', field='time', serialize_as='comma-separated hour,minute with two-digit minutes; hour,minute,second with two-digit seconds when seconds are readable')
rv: 2,18
